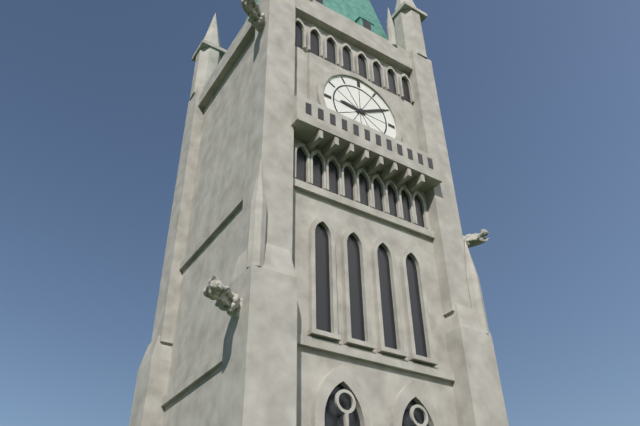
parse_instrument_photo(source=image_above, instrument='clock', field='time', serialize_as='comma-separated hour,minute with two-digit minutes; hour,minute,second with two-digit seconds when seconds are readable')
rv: 9,10
